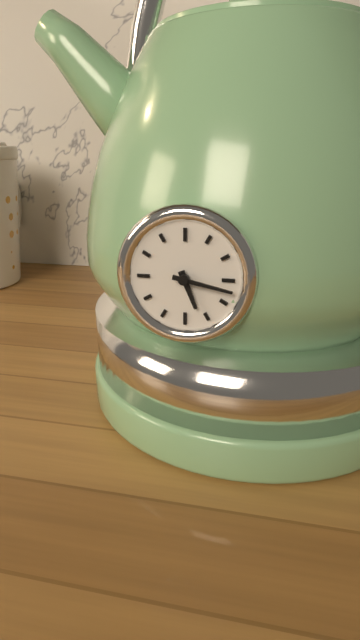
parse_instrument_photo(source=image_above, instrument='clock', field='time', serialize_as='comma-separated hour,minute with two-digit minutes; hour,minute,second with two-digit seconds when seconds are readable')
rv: 5,17
